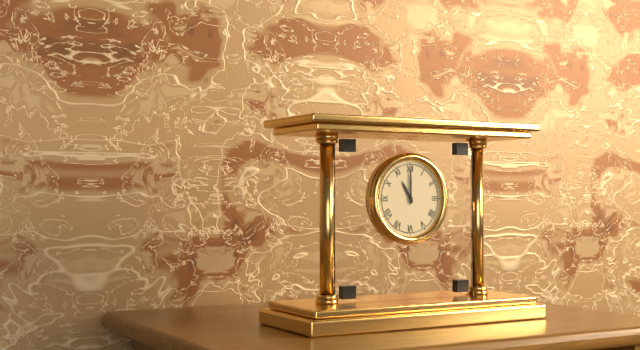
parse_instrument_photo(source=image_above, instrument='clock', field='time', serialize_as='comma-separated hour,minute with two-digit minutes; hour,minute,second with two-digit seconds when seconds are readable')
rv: 11,00
